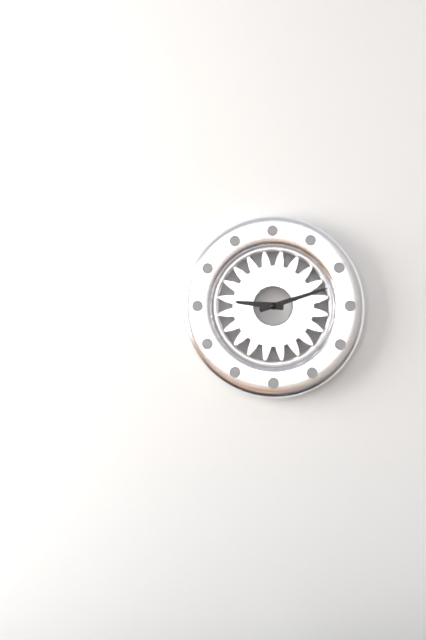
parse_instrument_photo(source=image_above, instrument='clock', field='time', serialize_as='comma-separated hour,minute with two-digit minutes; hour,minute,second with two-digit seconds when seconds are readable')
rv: 9,12
